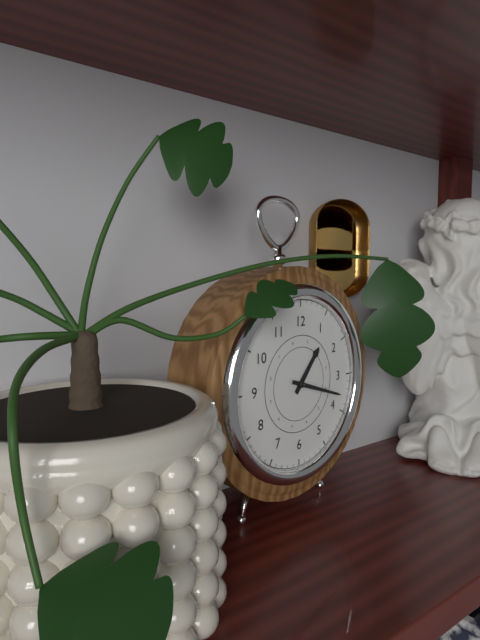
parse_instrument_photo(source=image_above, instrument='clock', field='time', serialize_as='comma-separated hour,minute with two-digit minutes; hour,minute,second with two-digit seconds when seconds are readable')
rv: 1,18
